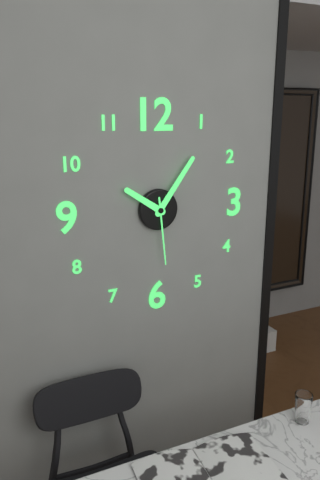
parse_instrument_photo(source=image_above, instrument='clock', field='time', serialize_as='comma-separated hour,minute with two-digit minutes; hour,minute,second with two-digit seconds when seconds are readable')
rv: 10,06,29
